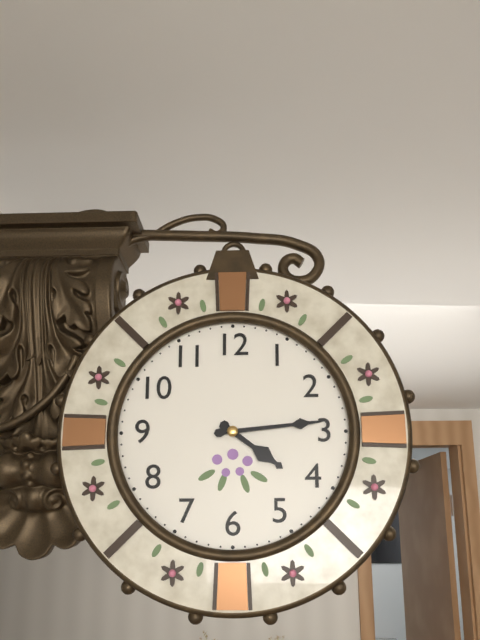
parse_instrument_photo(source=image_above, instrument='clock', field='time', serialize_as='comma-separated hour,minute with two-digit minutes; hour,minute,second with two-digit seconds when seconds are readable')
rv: 4,14
